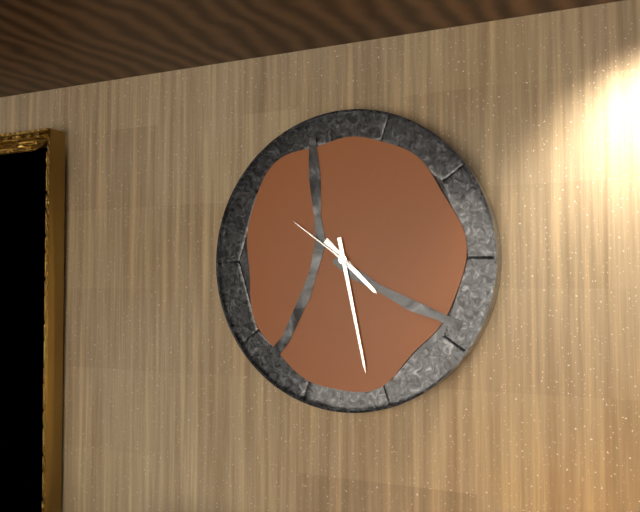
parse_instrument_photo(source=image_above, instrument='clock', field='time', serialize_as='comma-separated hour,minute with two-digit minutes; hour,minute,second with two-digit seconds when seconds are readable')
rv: 4,28,51
